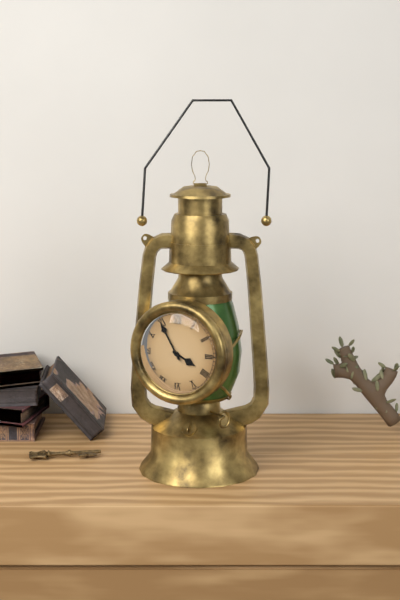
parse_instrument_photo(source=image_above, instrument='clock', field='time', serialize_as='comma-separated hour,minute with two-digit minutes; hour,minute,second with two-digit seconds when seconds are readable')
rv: 3,55
